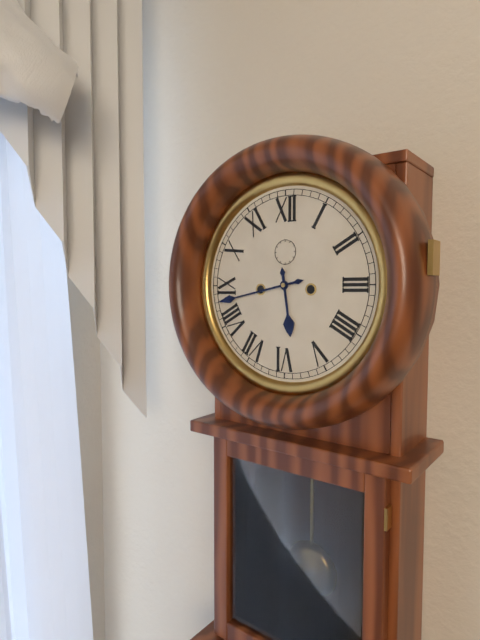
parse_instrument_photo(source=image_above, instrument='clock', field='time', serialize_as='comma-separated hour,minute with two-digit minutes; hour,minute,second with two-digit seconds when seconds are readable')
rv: 5,43
